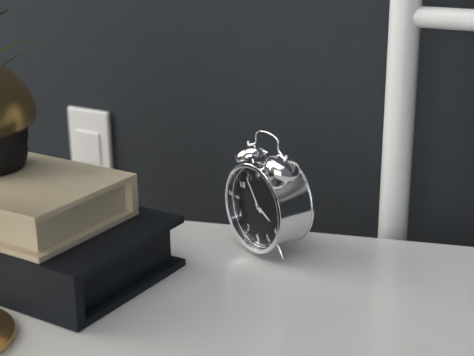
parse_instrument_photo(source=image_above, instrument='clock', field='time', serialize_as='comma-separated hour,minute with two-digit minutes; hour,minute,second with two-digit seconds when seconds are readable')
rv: 3,54
